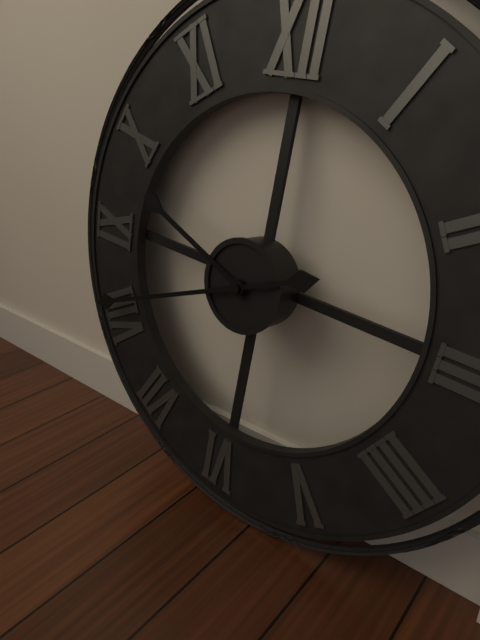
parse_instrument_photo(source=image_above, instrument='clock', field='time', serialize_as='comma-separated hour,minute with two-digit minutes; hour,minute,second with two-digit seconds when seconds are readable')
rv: 9,41
